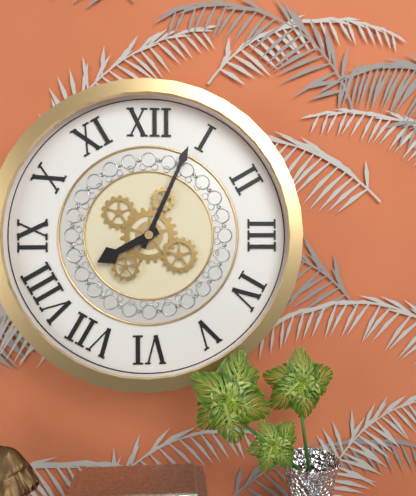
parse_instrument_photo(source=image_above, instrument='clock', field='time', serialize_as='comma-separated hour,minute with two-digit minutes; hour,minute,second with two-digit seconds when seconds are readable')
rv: 8,04
